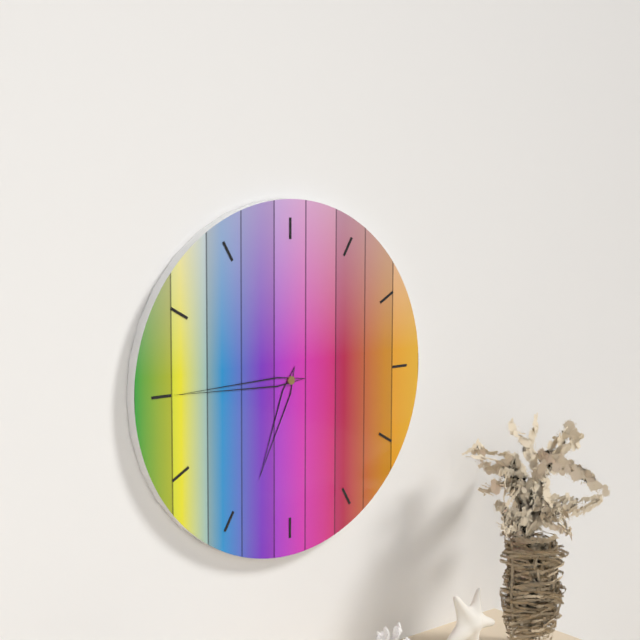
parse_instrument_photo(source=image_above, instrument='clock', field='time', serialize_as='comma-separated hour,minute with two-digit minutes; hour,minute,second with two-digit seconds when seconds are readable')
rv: 6,45
